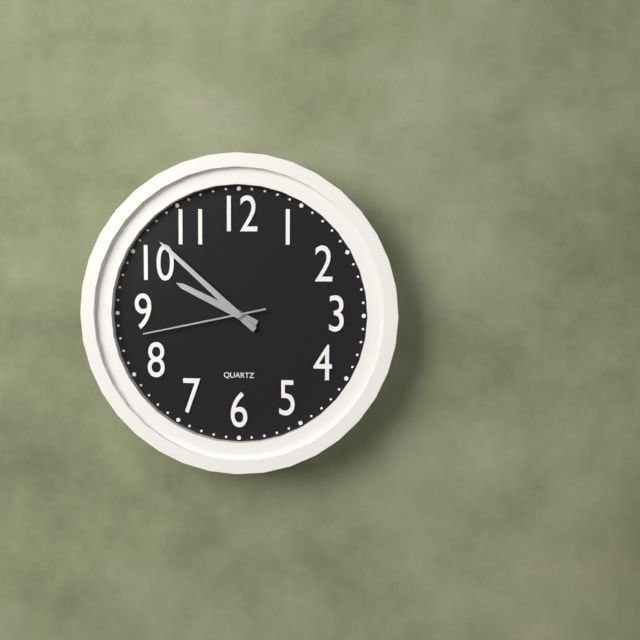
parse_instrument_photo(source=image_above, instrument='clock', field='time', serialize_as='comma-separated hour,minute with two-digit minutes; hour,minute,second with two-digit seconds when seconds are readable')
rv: 9,52,43
